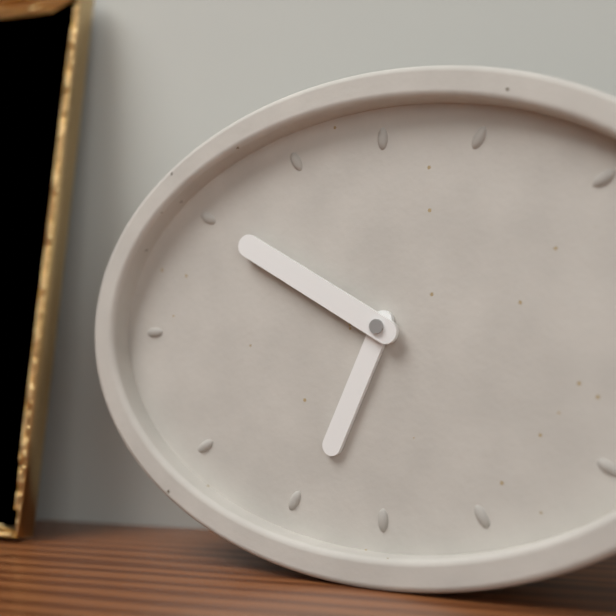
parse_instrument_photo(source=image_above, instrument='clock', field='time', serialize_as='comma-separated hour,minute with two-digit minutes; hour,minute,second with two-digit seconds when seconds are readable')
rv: 6,50
